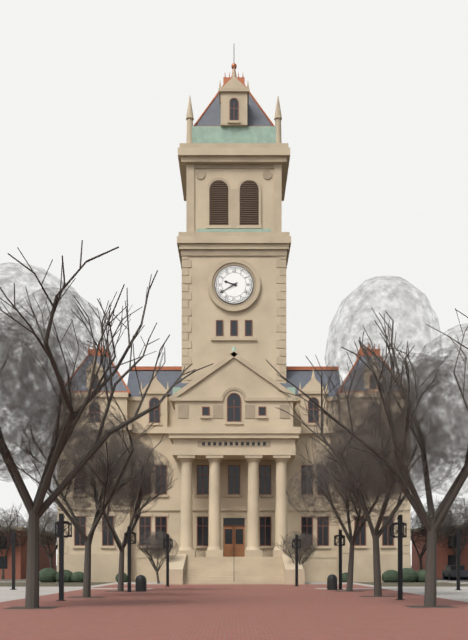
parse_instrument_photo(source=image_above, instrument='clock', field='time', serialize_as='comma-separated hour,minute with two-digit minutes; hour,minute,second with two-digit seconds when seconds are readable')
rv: 9,40
